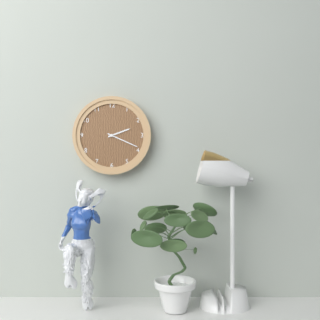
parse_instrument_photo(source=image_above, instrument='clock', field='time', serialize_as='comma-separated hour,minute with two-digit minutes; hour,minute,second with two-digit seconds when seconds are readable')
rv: 2,19
